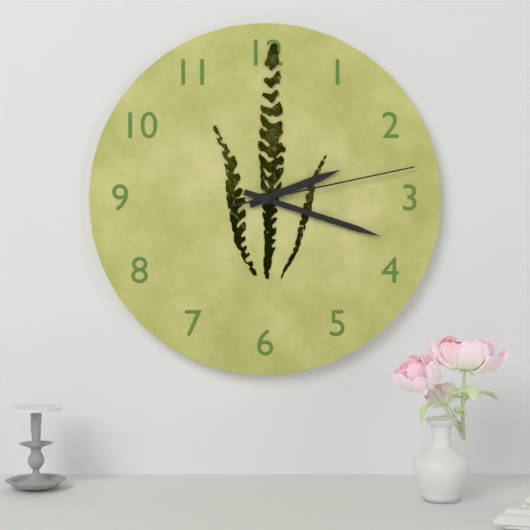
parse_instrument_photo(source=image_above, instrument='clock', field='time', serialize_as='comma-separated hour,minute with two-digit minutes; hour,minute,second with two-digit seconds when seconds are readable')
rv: 2,18,13
